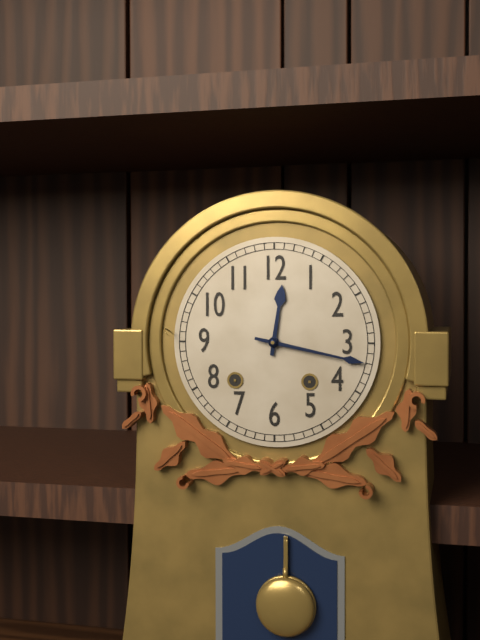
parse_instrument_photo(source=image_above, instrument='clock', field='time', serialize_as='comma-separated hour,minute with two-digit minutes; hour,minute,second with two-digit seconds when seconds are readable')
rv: 12,17
